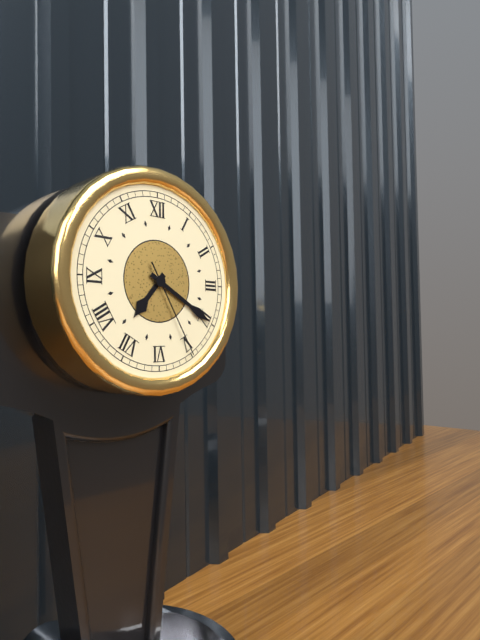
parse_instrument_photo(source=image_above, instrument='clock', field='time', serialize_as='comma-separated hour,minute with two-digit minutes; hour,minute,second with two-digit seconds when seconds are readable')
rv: 7,20,25
